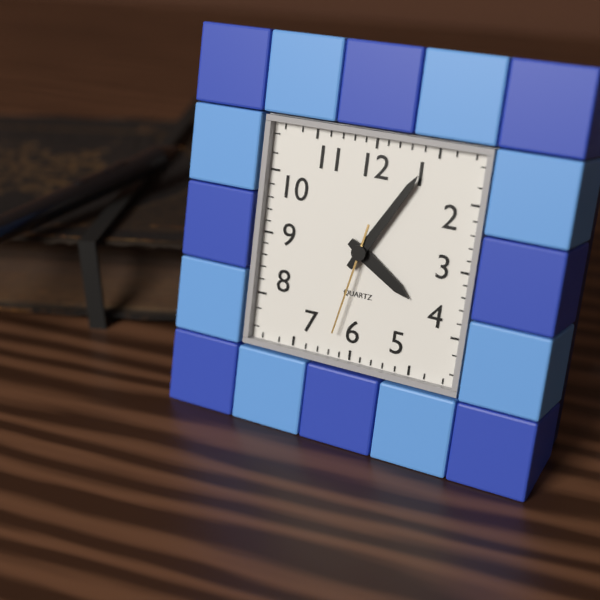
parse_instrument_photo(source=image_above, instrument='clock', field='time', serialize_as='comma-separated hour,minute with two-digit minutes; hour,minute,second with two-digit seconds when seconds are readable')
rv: 4,05,32
